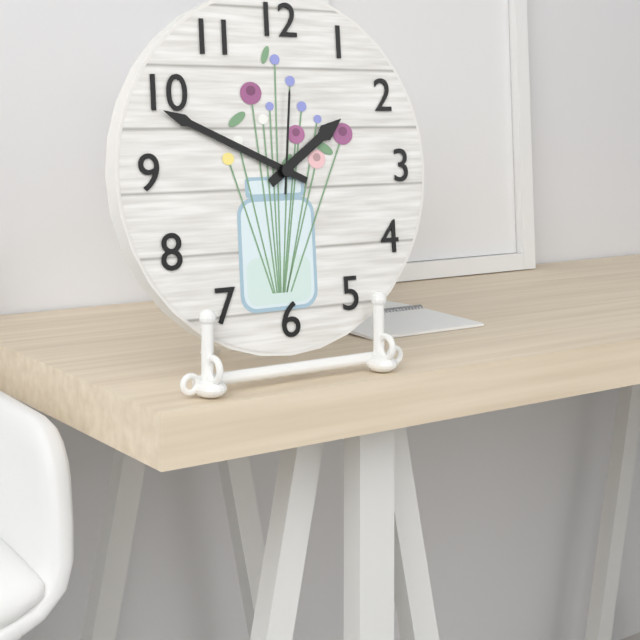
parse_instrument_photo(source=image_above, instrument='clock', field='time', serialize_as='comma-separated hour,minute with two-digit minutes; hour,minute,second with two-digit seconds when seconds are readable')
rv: 1,49,01
